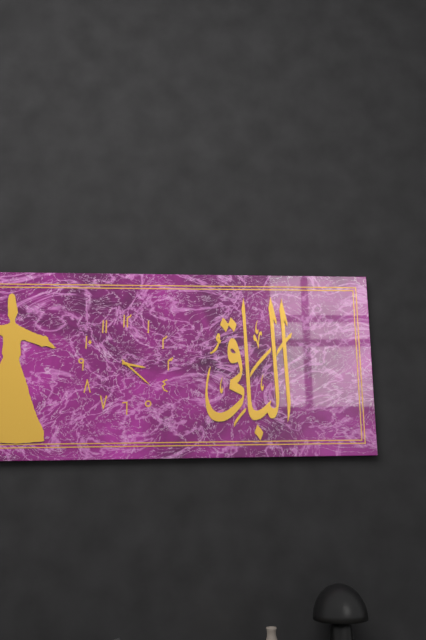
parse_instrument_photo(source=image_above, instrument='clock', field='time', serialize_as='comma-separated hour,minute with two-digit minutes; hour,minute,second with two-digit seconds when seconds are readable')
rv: 3,22
